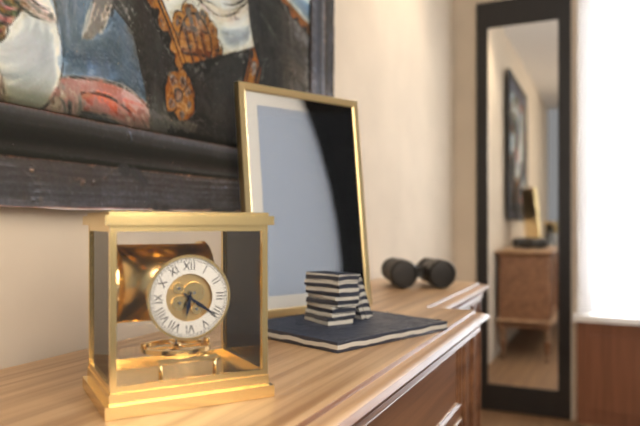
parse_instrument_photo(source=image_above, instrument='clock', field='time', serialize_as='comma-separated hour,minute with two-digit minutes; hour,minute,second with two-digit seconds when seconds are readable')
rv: 6,21
